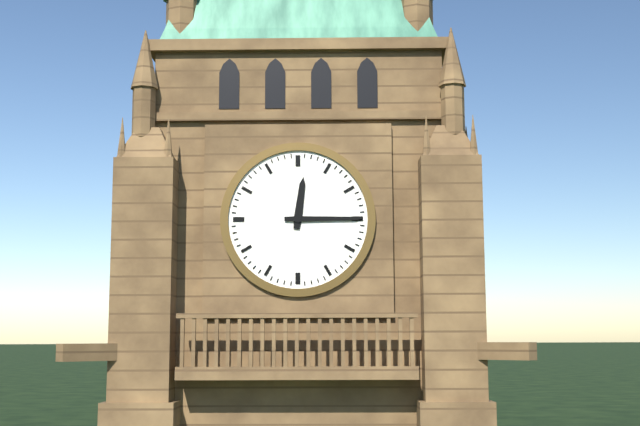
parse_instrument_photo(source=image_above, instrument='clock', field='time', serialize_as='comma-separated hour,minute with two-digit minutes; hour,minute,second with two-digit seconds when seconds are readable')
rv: 12,15
